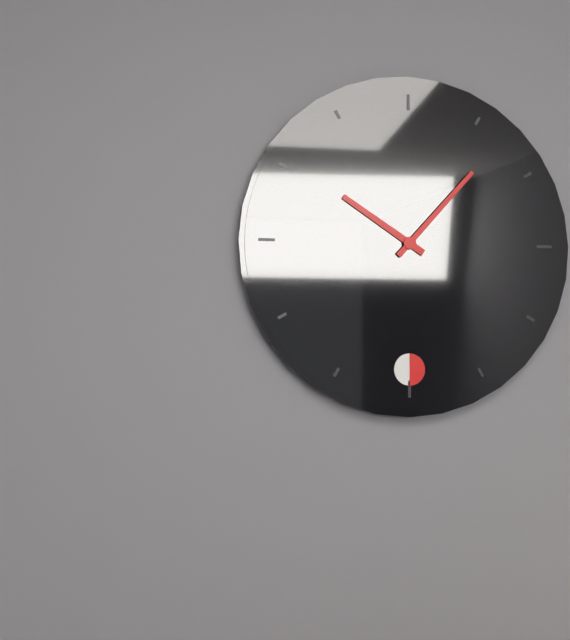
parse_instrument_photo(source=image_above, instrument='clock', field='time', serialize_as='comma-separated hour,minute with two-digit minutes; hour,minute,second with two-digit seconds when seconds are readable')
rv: 10,07
